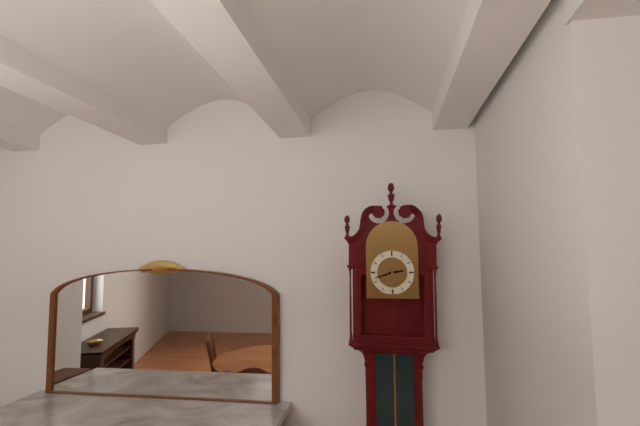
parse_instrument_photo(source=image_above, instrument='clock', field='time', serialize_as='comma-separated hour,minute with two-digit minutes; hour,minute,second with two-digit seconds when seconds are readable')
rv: 2,42
